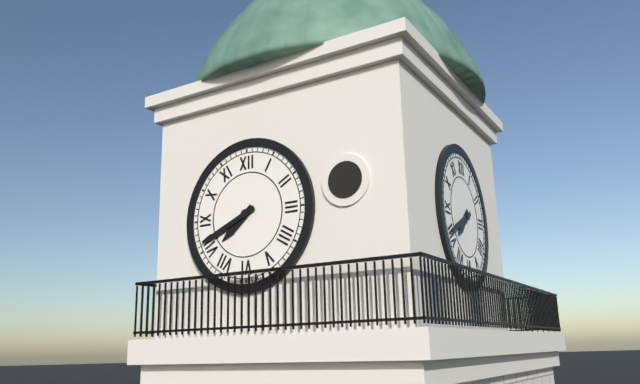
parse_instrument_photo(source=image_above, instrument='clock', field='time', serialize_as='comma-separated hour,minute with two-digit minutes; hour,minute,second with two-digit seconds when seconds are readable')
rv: 7,41
